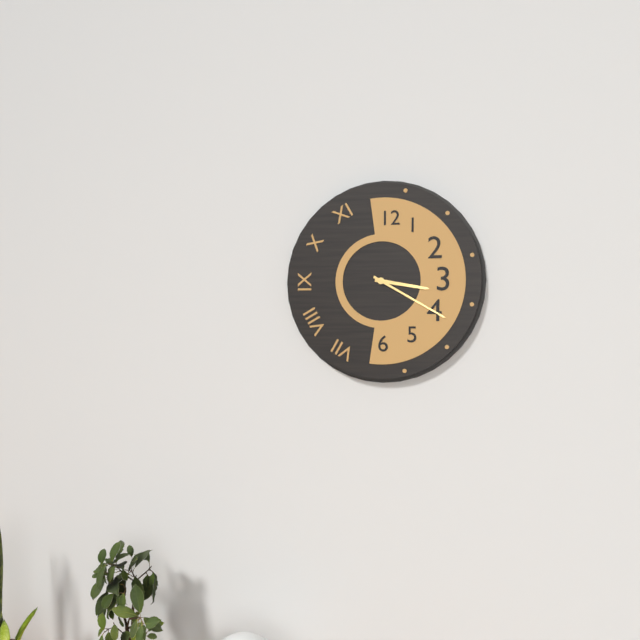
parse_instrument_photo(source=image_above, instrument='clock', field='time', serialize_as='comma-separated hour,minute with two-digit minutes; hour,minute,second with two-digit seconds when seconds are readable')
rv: 3,20
